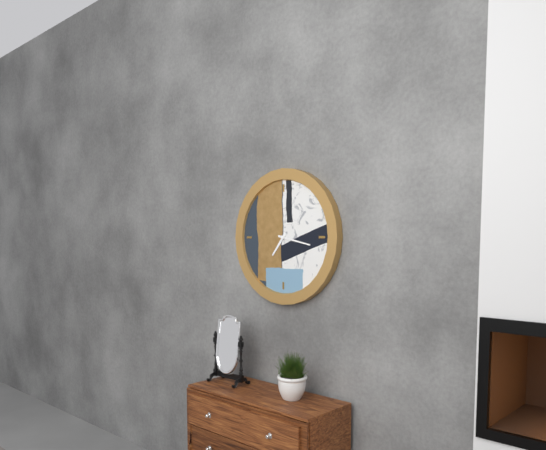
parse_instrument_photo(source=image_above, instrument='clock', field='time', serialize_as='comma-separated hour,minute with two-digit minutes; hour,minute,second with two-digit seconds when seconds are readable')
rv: 7,17
